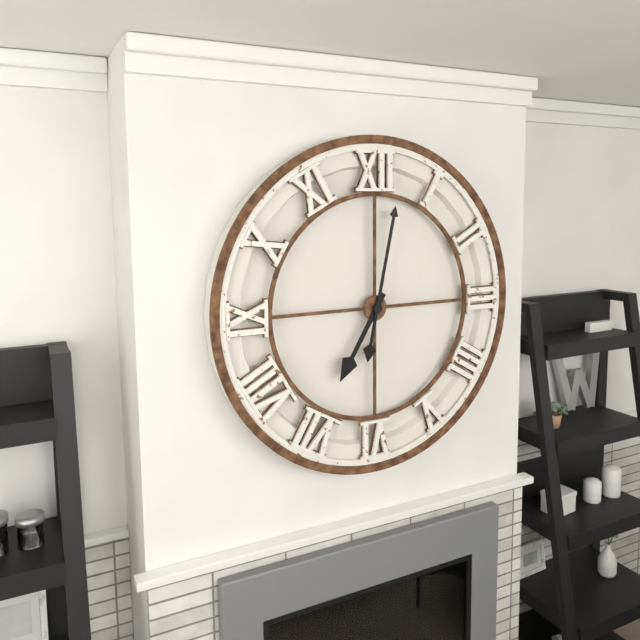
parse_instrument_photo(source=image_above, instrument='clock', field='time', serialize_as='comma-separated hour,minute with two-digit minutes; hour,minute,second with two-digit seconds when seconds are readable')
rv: 7,02
